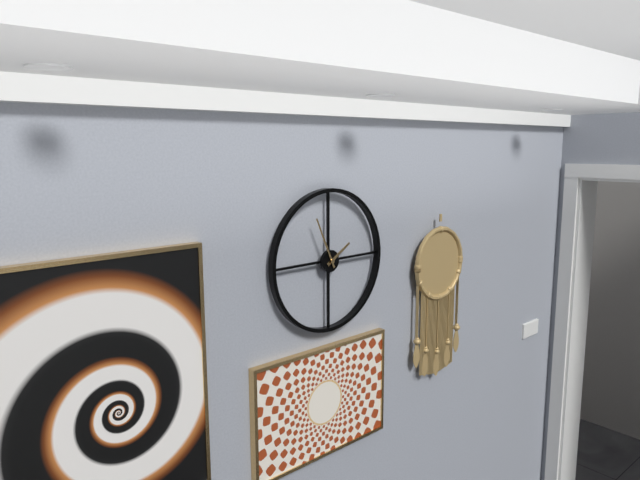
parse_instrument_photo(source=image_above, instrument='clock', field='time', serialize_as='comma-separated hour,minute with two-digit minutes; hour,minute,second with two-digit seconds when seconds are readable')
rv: 1,56
